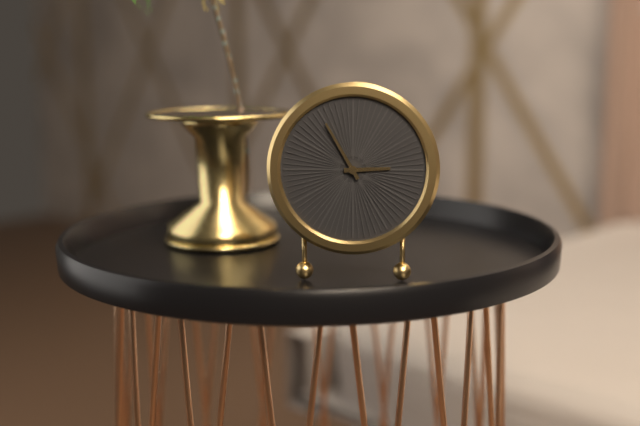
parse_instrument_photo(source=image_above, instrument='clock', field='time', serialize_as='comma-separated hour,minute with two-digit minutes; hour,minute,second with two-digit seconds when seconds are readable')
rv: 2,55
